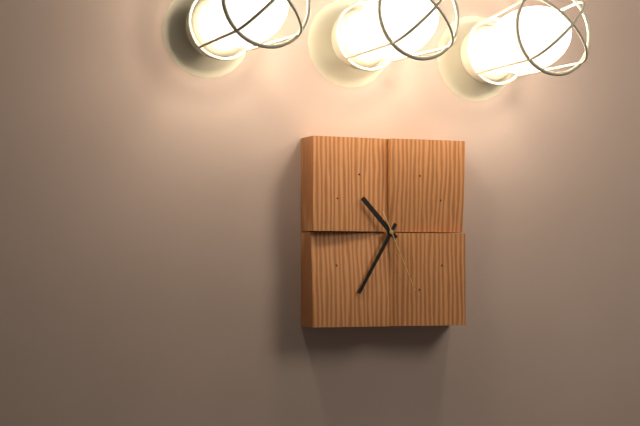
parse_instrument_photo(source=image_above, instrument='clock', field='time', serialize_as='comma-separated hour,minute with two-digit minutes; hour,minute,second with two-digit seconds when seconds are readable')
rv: 10,35,26
